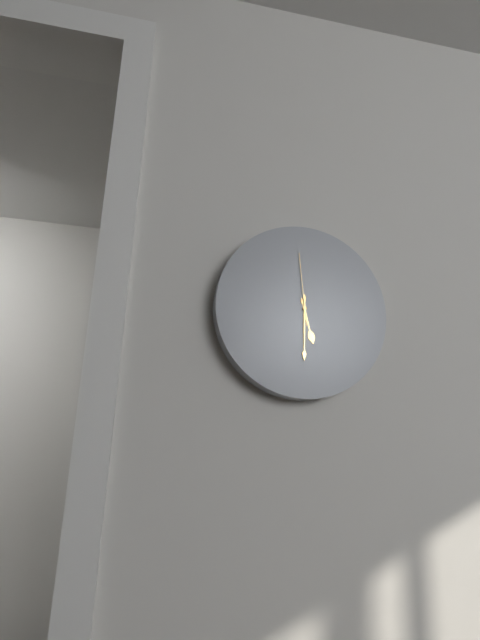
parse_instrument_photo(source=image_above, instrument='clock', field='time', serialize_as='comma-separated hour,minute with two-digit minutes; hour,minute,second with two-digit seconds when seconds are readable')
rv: 5,30,59
